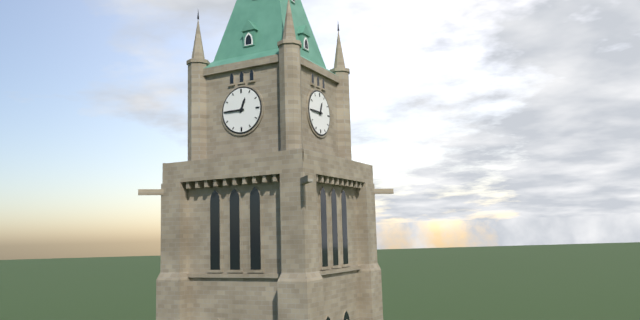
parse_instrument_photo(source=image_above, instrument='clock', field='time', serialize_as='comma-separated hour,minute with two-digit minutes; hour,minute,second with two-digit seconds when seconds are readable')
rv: 12,45
